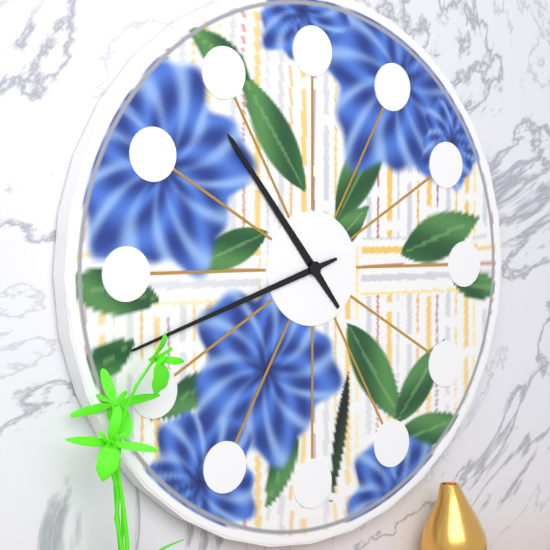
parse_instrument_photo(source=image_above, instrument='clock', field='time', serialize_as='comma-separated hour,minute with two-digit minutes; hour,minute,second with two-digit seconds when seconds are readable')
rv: 10,42
